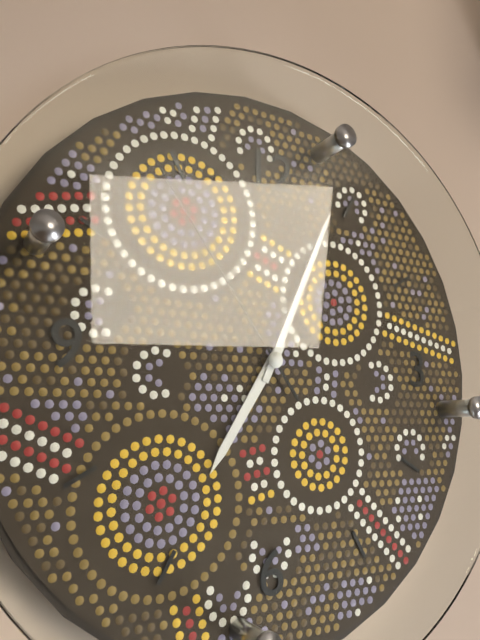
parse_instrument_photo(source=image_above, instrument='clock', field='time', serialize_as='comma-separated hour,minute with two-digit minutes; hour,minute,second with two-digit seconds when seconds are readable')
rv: 7,04,54
